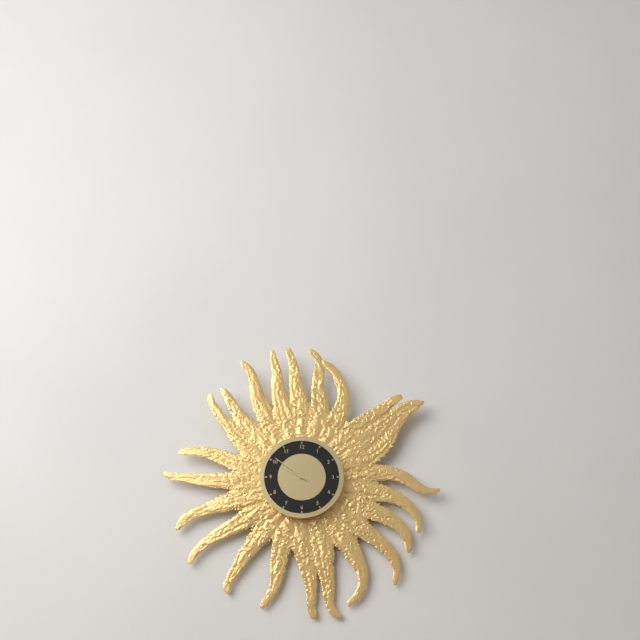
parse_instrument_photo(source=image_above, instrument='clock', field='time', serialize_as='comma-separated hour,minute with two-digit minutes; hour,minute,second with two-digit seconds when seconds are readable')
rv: 9,51
